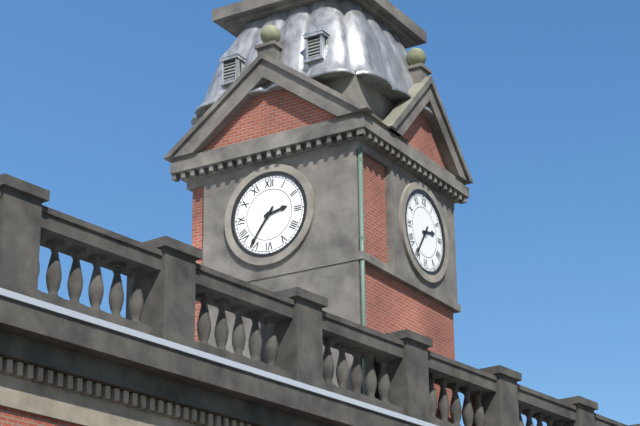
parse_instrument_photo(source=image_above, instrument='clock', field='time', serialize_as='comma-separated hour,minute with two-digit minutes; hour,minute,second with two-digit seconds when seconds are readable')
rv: 2,36
